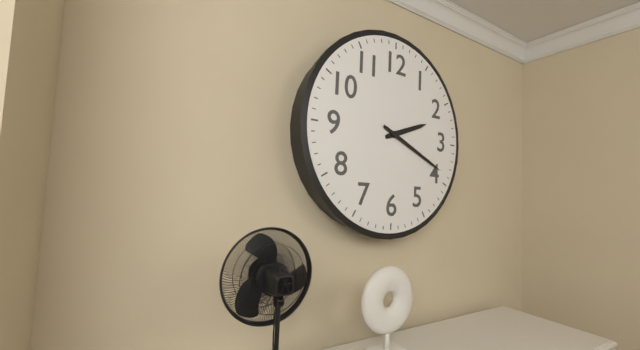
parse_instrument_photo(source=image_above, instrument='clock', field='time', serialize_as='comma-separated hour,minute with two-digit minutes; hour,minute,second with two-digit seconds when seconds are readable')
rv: 2,19
